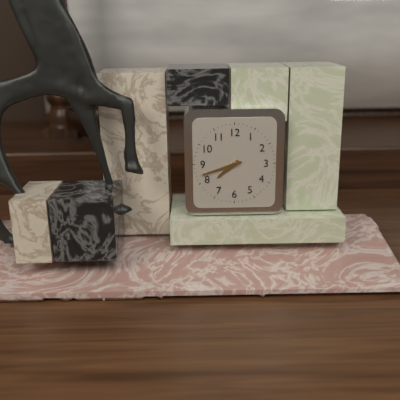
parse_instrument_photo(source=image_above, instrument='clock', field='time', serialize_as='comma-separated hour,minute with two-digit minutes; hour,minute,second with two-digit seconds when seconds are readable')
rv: 7,42
